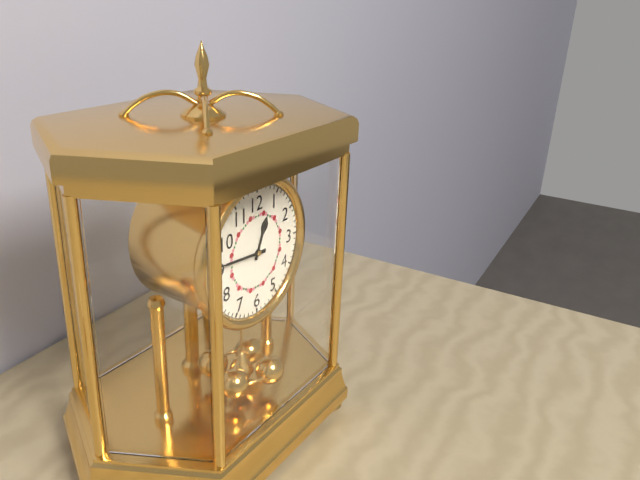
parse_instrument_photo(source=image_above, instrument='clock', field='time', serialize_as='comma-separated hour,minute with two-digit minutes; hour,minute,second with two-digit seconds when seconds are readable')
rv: 12,46
